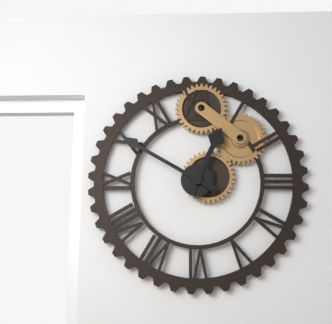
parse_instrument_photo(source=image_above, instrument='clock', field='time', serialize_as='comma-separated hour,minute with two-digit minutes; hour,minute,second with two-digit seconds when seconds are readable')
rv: 12,50
